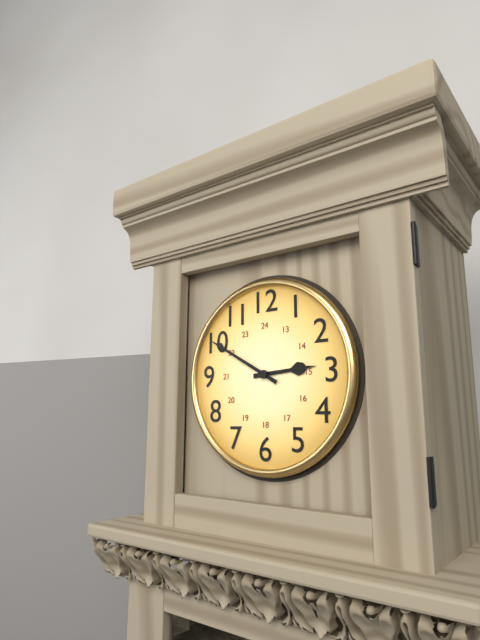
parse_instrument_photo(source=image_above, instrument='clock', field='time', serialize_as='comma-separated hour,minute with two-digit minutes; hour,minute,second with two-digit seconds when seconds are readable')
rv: 2,50
